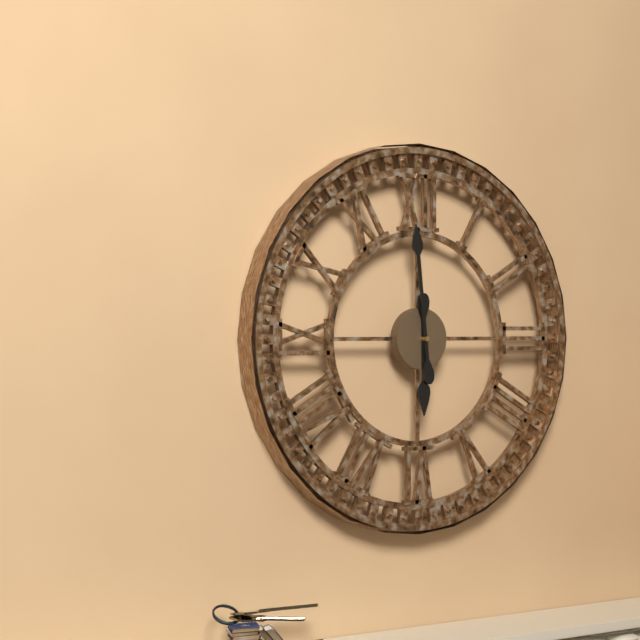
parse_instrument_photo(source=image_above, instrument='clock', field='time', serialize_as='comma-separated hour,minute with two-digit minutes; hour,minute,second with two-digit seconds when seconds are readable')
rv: 5,59
